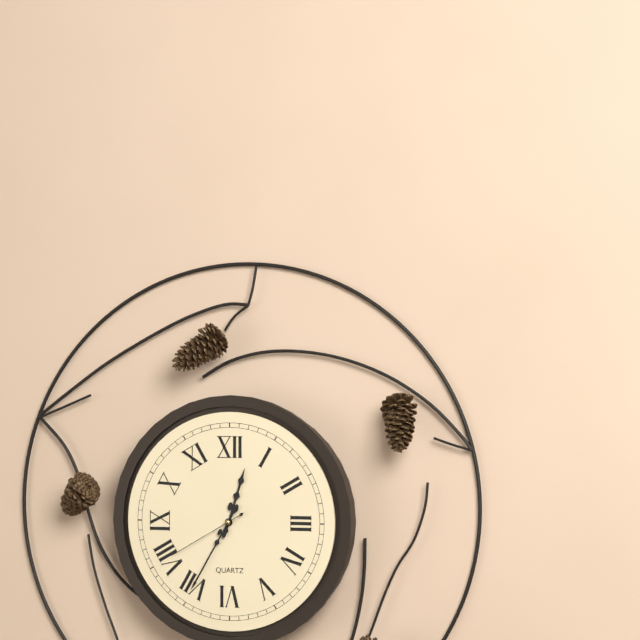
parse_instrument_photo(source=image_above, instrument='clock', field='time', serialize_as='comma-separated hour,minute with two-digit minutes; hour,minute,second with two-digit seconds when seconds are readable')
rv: 12,35,40
